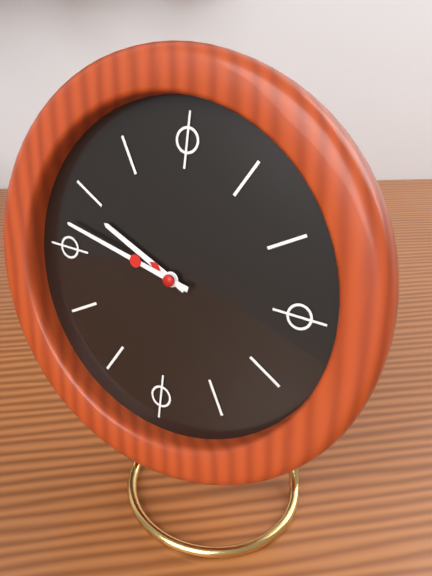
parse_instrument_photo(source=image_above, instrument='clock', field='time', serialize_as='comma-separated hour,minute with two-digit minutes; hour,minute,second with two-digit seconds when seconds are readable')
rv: 9,47
